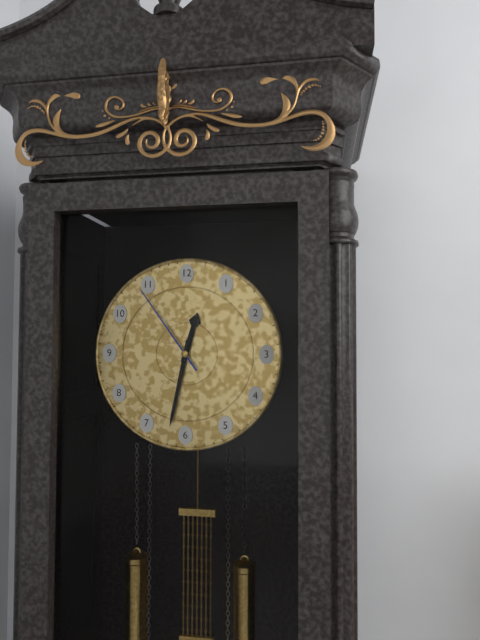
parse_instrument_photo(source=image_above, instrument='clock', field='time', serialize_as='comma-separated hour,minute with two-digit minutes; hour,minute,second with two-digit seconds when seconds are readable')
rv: 12,32,54
